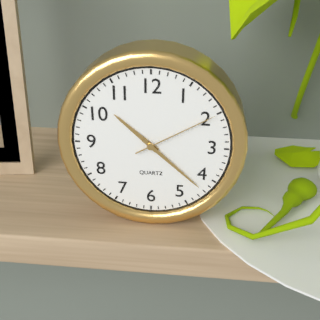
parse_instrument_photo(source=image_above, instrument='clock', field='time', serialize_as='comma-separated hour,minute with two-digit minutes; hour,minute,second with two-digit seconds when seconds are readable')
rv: 10,22,10
